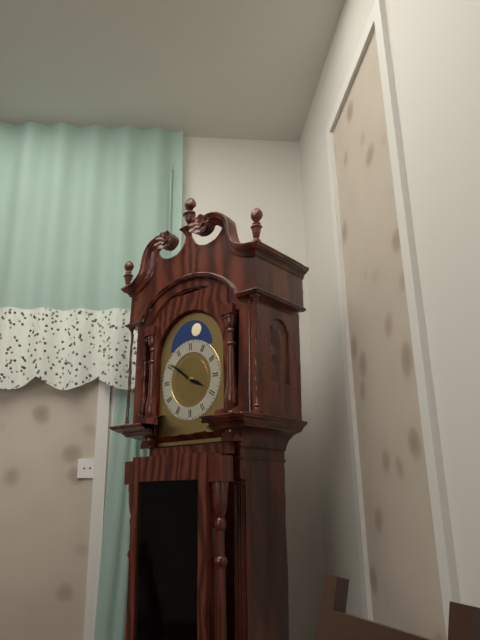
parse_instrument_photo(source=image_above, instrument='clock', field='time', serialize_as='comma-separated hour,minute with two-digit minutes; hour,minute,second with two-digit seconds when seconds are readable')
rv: 3,51
